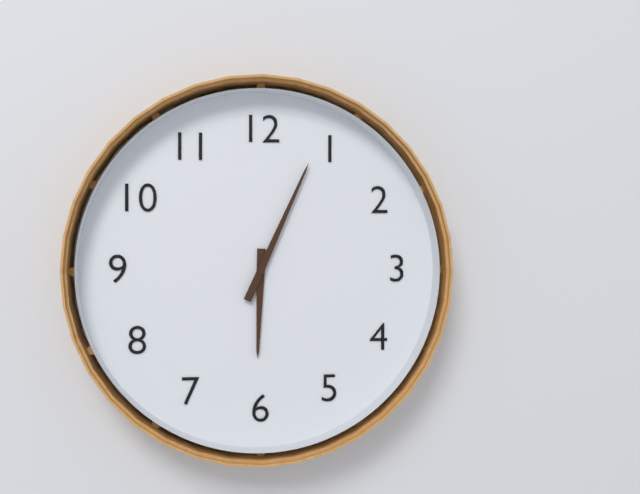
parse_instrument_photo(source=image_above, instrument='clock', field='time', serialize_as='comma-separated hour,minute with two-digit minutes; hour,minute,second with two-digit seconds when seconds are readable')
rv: 6,04
